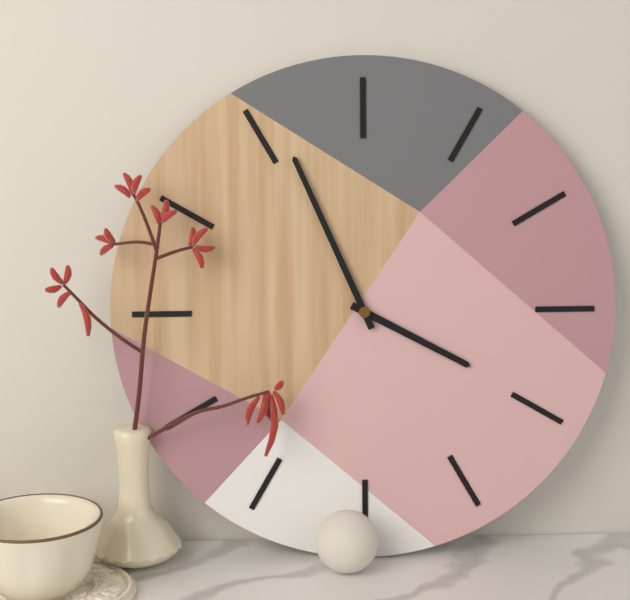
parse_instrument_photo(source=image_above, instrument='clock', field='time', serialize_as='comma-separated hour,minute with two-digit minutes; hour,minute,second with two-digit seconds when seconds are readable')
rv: 3,56
